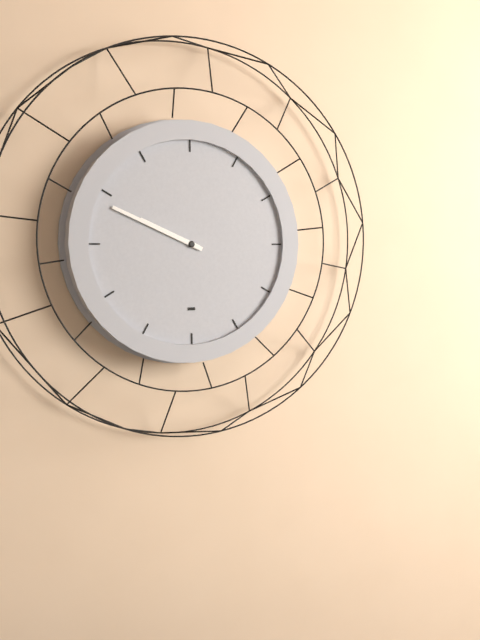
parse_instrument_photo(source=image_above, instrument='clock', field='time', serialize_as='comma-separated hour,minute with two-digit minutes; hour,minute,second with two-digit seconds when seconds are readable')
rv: 9,49
